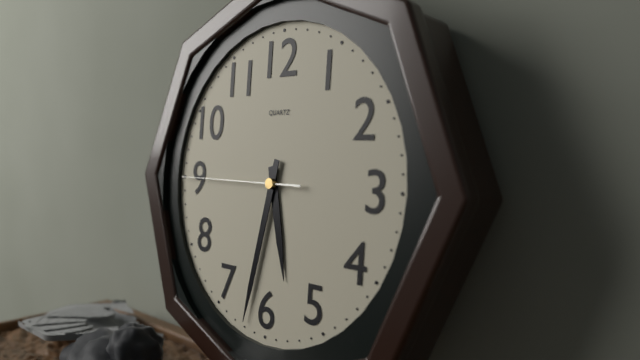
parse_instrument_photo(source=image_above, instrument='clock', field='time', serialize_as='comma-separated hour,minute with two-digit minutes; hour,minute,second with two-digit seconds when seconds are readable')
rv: 5,32,45
